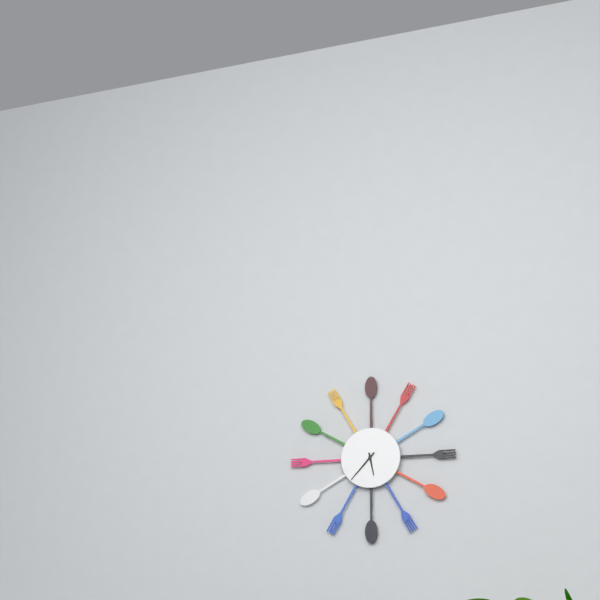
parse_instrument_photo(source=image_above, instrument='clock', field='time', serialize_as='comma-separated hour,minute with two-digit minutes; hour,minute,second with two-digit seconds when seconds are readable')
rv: 5,37
